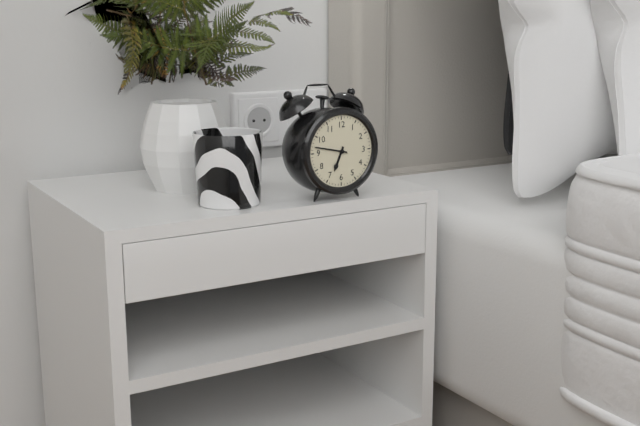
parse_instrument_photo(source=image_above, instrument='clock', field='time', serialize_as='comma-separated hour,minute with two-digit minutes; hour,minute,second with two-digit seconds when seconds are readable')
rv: 6,47
